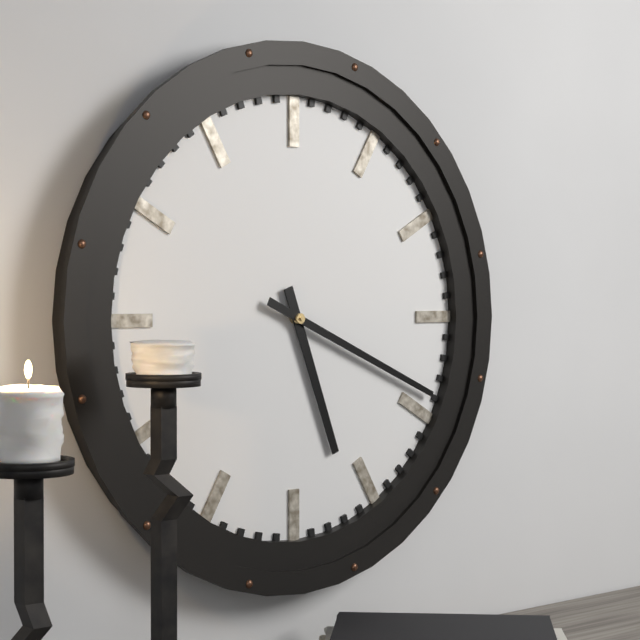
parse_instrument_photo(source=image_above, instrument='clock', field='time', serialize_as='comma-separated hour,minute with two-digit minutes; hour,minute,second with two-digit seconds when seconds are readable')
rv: 5,19
